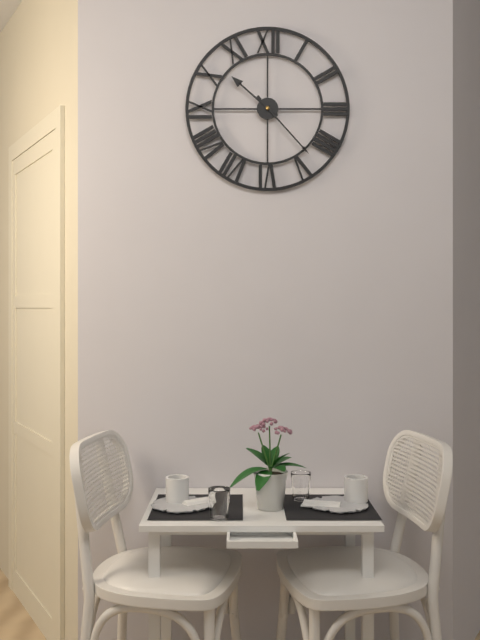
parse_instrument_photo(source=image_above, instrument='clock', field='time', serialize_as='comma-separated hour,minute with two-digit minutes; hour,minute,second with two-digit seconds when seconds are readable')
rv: 10,23
